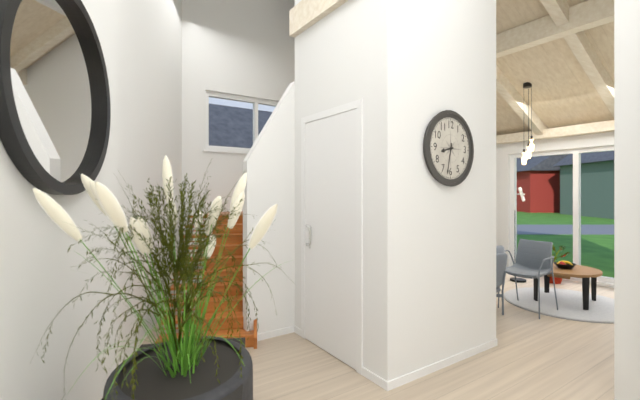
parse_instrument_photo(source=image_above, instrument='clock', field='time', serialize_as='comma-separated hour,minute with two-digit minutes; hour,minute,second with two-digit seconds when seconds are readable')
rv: 8,32
